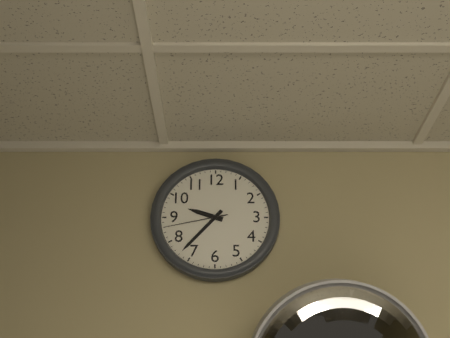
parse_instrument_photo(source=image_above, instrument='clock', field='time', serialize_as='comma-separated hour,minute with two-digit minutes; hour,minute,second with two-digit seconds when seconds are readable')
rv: 9,37,43
